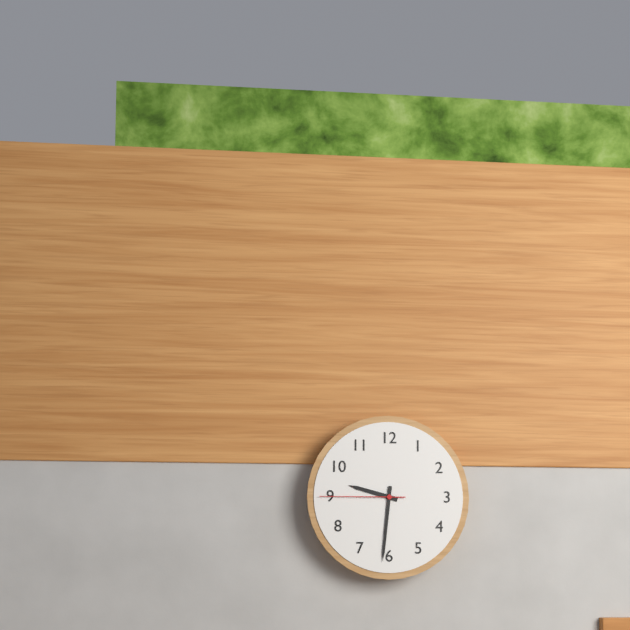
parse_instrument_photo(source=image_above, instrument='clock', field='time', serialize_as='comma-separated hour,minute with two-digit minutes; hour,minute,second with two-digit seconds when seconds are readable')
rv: 9,31,45
